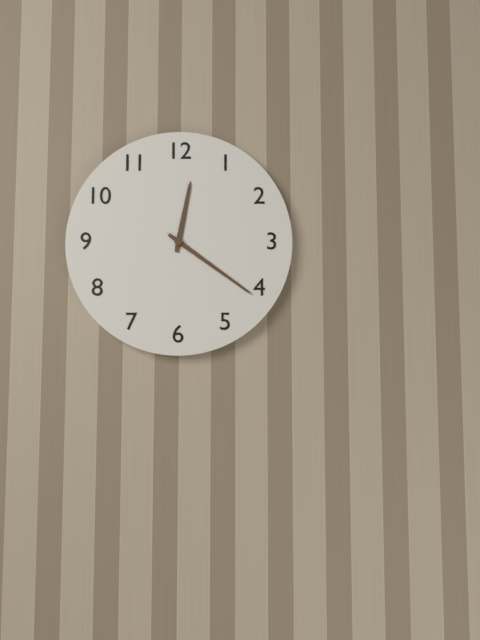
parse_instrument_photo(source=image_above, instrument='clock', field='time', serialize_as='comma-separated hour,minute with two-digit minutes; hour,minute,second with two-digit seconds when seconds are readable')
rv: 12,21
